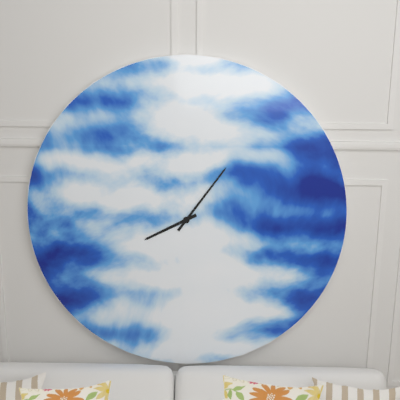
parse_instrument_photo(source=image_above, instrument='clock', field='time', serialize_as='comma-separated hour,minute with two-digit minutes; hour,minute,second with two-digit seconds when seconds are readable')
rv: 8,06
